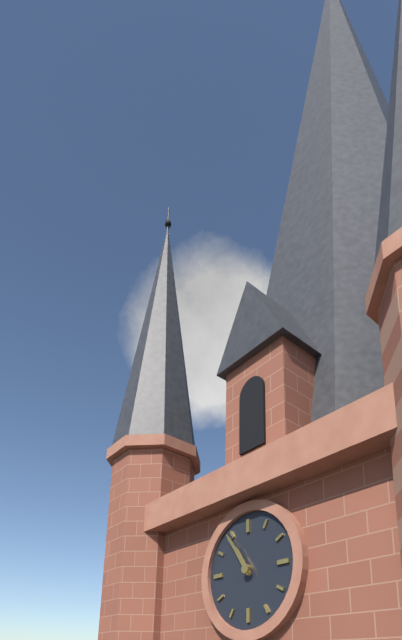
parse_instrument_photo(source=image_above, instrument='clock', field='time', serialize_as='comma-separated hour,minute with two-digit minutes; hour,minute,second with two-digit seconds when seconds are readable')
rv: 10,54
